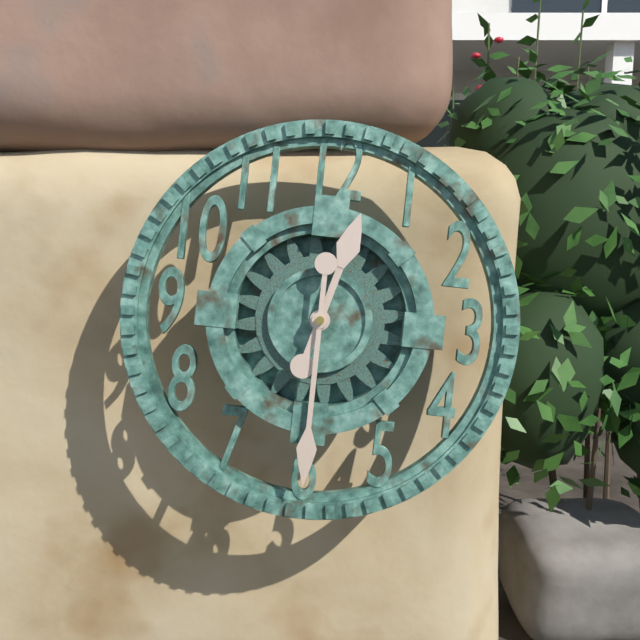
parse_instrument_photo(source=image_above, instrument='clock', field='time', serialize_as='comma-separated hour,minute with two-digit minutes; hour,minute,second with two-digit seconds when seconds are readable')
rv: 12,30
